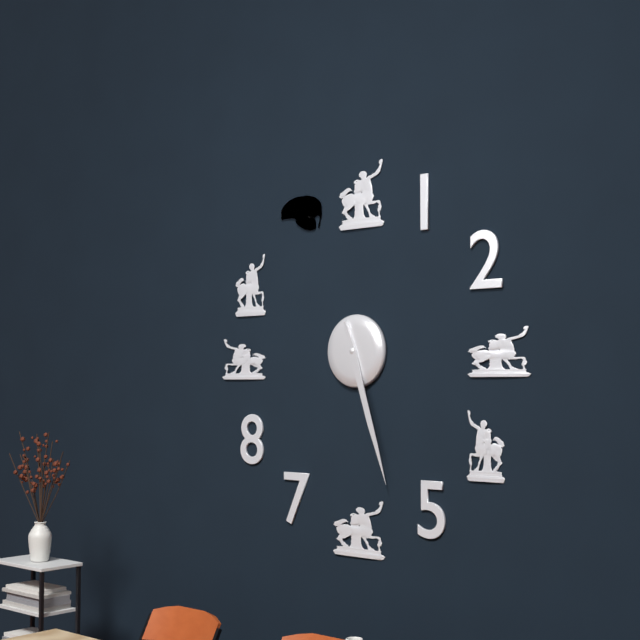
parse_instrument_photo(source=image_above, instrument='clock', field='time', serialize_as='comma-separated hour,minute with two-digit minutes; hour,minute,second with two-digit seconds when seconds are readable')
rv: 5,27
